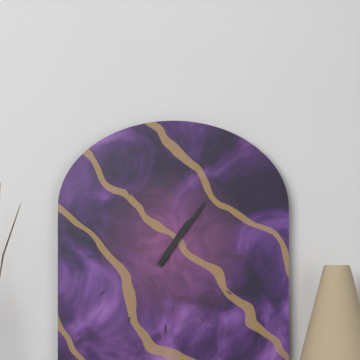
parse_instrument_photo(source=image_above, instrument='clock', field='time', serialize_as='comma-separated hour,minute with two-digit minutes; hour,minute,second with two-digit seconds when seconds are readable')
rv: 1,06
